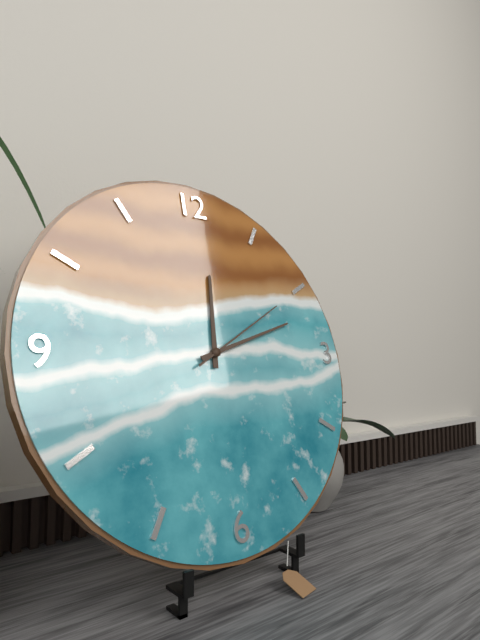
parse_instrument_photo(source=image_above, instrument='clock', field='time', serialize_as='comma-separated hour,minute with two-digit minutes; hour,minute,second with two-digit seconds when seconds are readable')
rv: 12,12,10
